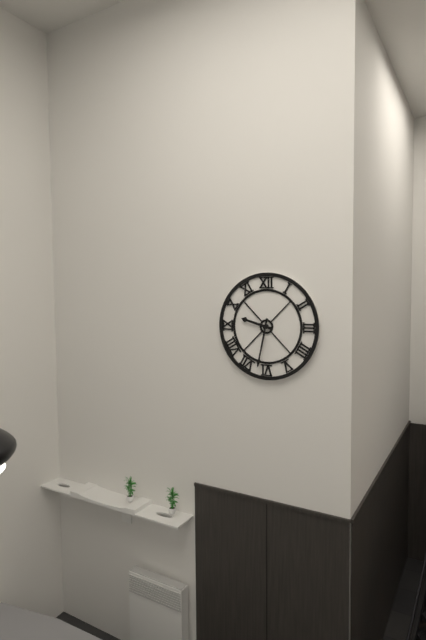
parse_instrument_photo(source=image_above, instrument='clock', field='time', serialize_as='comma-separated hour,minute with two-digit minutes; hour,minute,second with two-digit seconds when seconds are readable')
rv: 9,32
